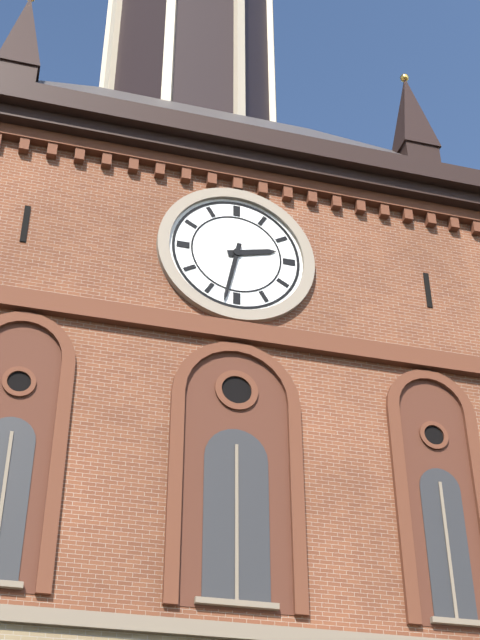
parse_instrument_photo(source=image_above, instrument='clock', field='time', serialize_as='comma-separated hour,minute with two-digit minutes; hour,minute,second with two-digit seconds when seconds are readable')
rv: 2,32
